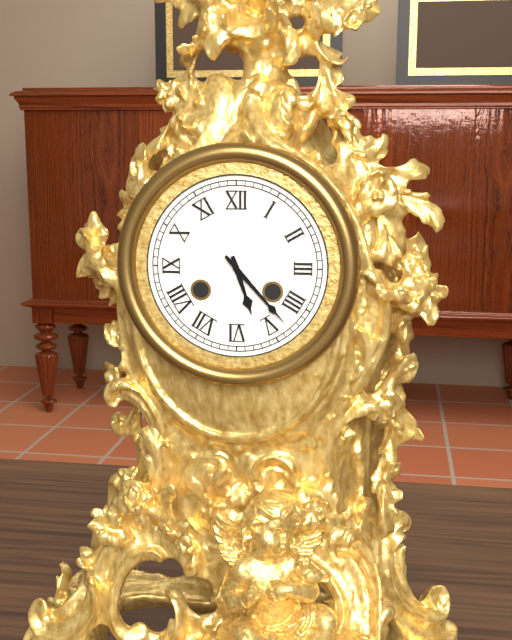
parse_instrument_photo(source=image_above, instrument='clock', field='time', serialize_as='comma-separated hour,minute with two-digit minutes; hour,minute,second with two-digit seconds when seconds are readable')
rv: 5,23
